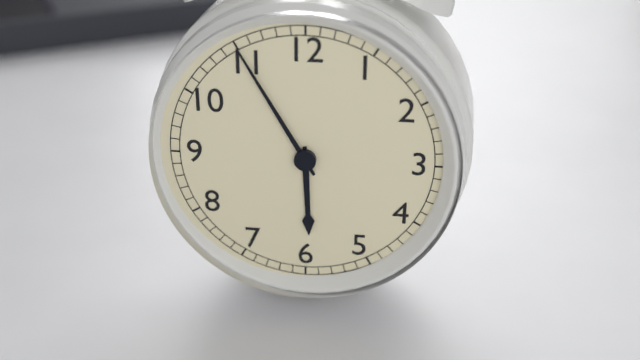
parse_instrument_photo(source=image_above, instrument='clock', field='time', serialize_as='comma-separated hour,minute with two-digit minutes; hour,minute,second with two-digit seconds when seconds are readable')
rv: 5,55
